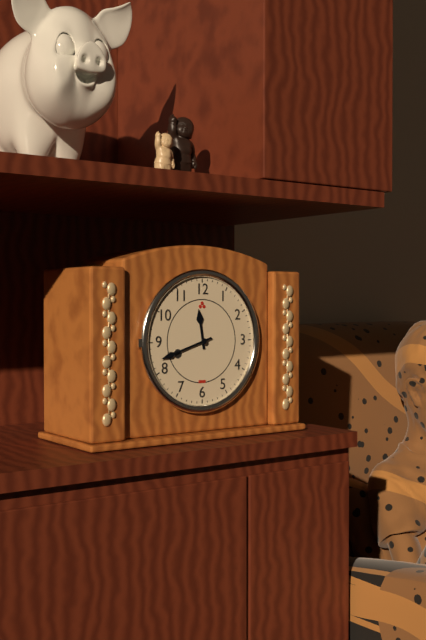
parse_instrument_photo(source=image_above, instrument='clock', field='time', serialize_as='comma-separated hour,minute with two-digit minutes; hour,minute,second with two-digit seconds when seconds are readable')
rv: 11,42
